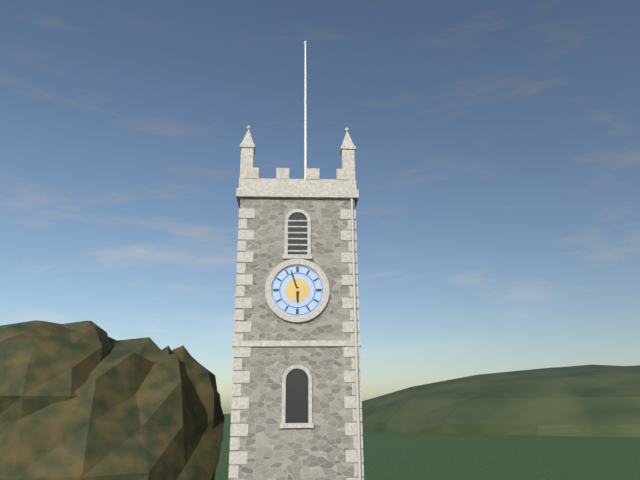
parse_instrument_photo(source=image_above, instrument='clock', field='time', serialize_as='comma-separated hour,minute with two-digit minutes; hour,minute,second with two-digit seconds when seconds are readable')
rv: 5,57
